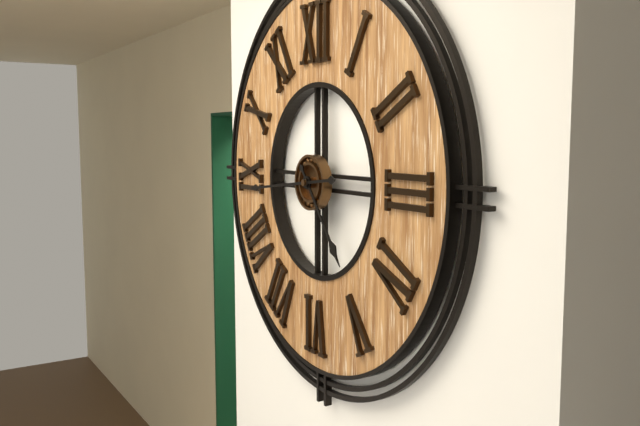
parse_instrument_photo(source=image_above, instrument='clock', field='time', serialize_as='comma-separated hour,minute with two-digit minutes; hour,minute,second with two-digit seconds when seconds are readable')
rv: 4,44
